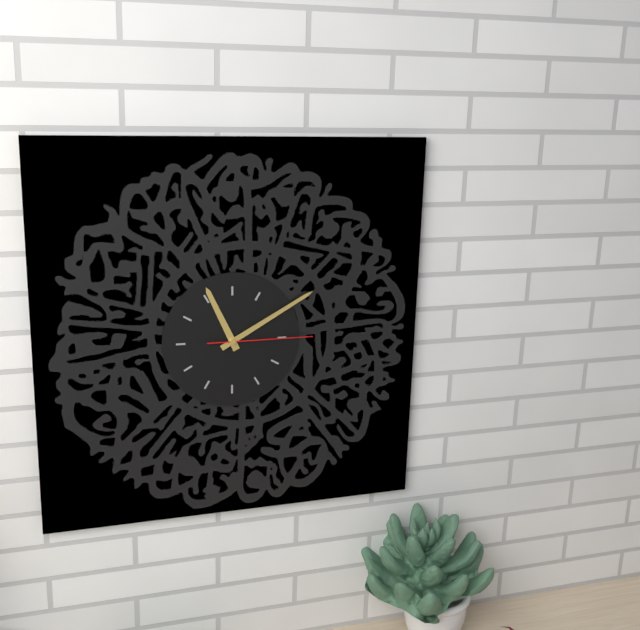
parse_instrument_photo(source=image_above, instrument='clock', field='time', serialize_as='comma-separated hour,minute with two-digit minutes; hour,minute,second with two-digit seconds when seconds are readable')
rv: 11,10,15
